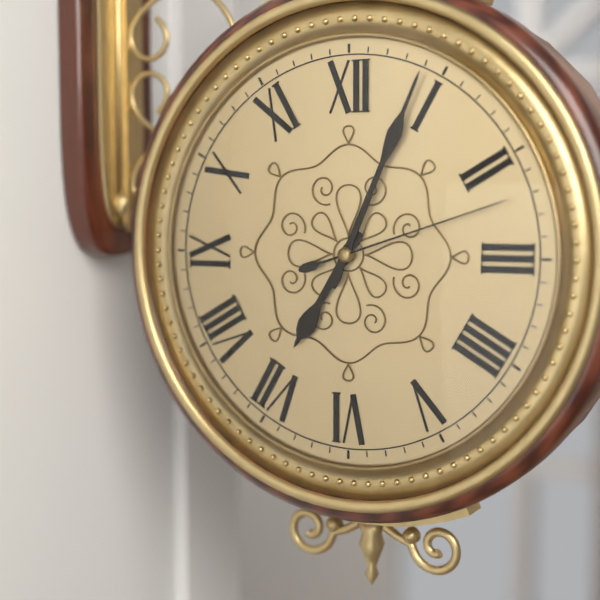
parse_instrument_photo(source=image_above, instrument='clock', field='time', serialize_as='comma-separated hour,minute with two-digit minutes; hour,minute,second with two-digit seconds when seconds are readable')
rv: 7,04,12
